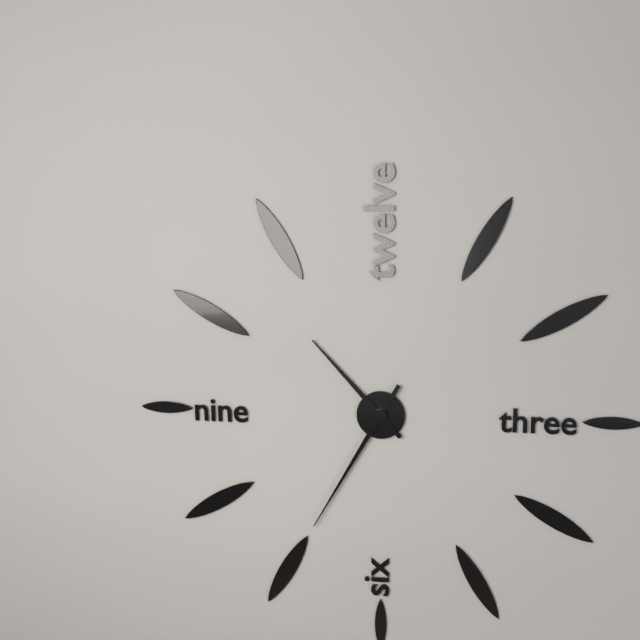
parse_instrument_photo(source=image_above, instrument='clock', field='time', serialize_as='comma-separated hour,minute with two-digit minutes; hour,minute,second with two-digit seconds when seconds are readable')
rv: 10,35
